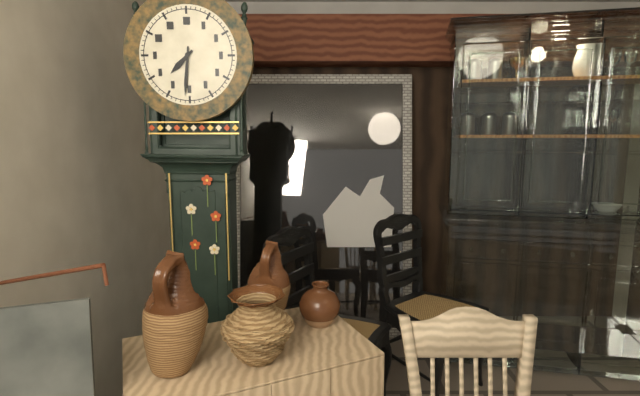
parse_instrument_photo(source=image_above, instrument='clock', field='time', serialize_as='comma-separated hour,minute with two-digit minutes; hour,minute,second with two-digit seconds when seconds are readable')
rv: 7,31
